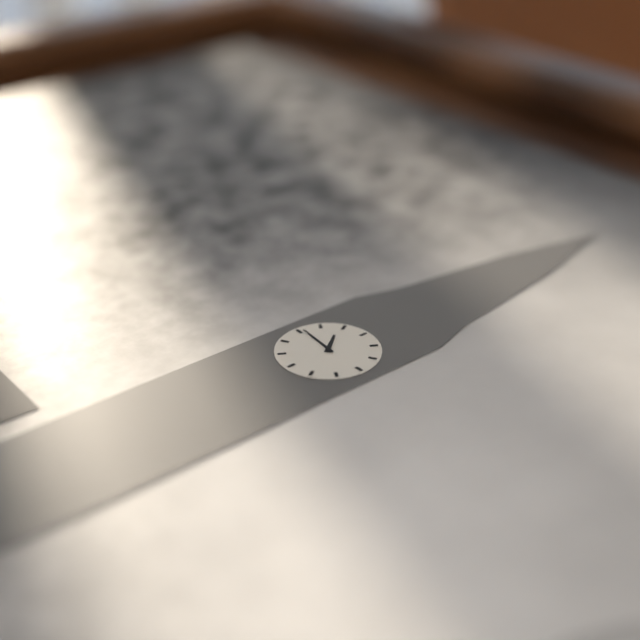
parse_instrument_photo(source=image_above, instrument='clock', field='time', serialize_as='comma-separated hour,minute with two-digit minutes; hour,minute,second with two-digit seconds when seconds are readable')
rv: 10,46
